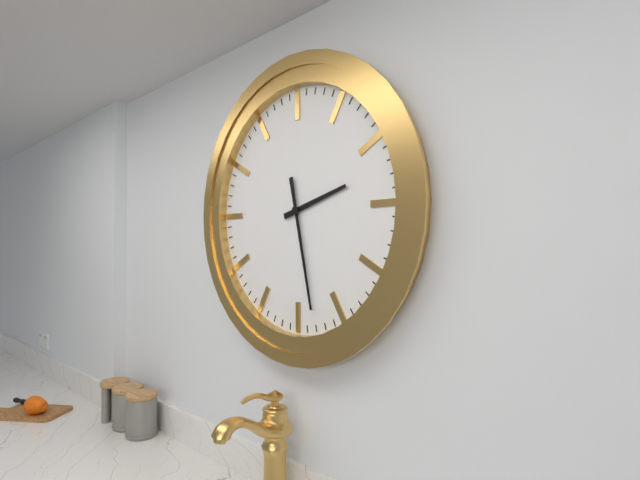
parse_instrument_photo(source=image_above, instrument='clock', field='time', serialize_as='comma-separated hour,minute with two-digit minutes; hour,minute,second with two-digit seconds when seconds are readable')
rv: 2,28
